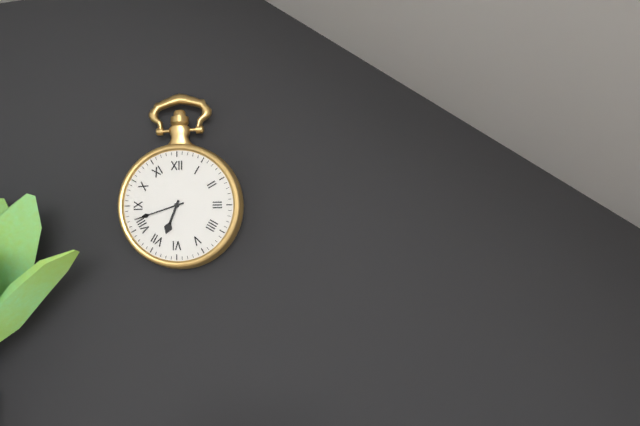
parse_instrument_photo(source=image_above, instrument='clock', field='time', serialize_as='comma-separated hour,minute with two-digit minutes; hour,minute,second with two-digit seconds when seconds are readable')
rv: 6,42
